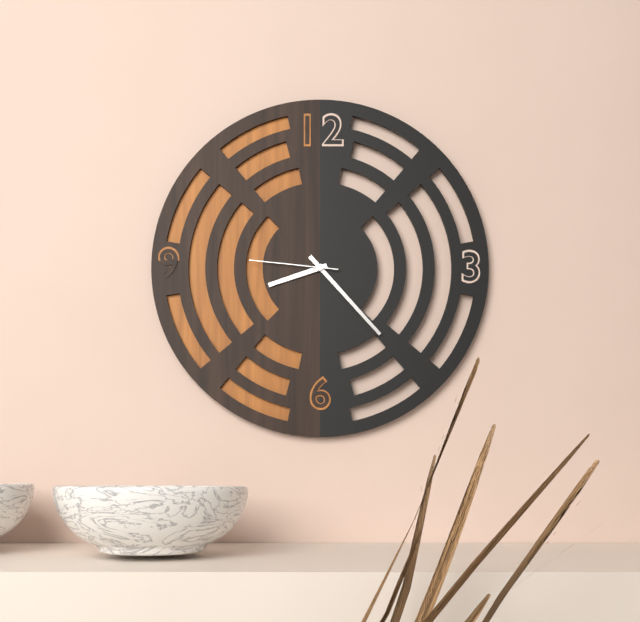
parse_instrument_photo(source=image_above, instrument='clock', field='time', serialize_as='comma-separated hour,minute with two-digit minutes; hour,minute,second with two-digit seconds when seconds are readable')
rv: 8,23,46
